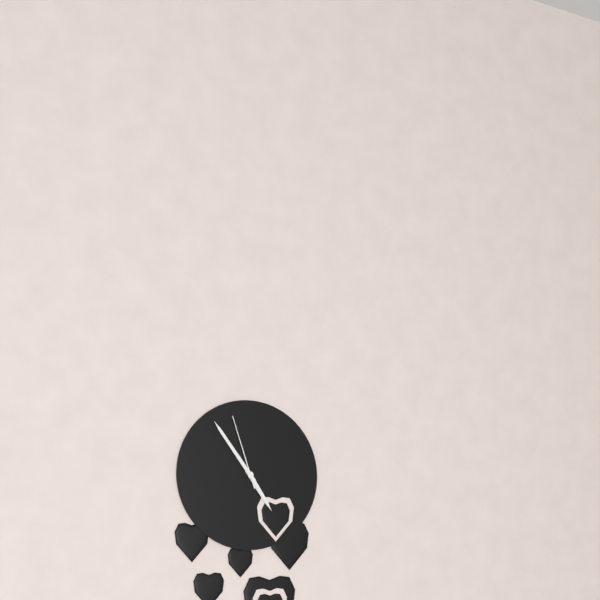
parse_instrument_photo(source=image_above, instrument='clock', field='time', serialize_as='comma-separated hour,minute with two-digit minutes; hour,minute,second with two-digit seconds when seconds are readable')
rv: 4,54,57
